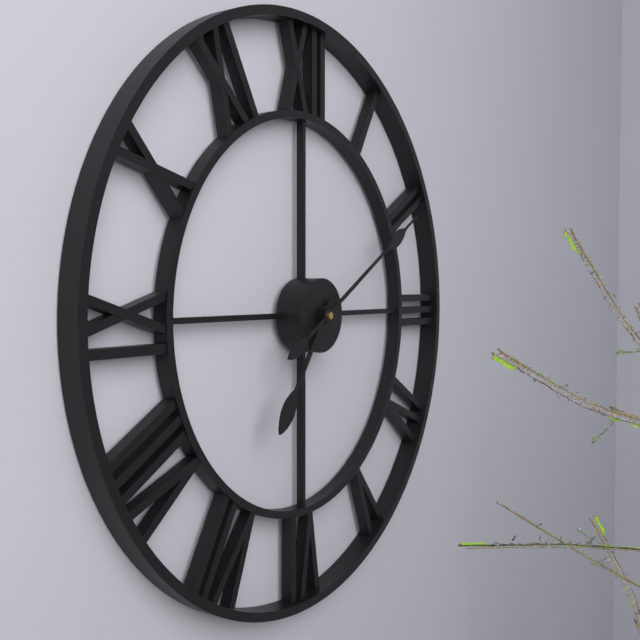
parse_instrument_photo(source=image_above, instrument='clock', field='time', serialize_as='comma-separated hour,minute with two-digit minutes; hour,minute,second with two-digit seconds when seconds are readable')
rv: 7,10
